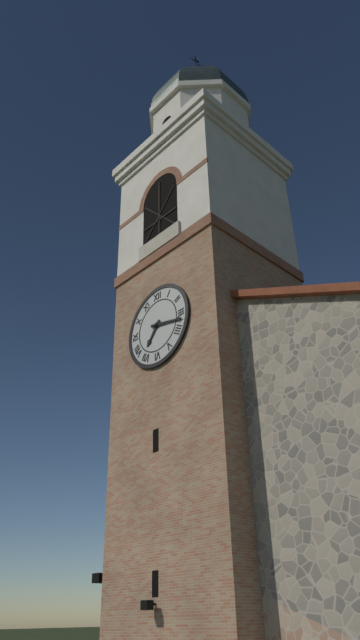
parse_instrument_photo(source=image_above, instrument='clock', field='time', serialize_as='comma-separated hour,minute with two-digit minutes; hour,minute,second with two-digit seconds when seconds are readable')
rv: 7,17
